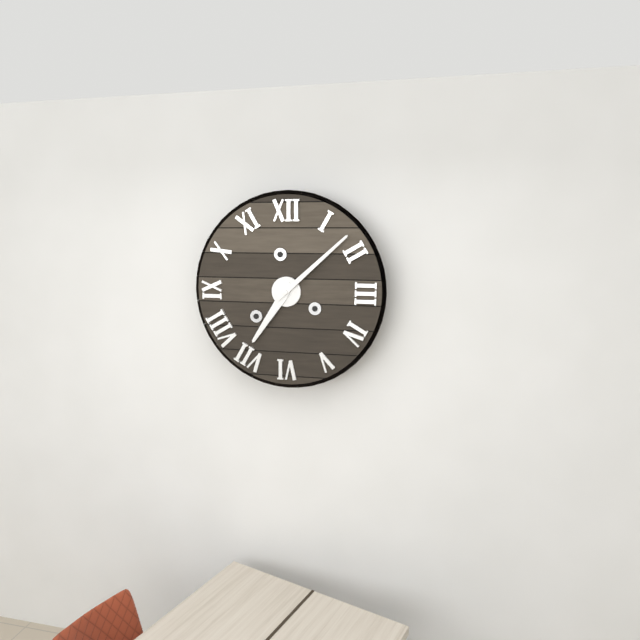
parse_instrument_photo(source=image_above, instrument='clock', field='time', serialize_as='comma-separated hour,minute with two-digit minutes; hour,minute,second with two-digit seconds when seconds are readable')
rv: 7,08
